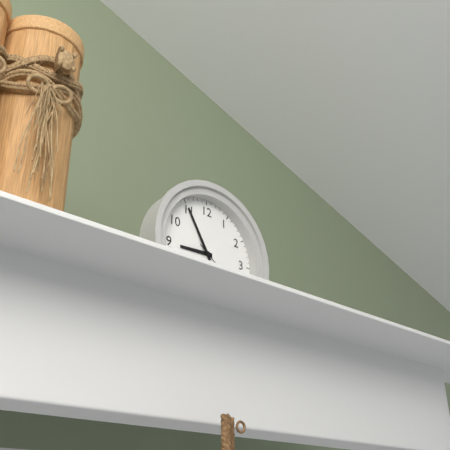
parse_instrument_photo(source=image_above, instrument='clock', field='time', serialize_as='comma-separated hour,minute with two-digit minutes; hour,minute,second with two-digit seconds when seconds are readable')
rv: 8,55
